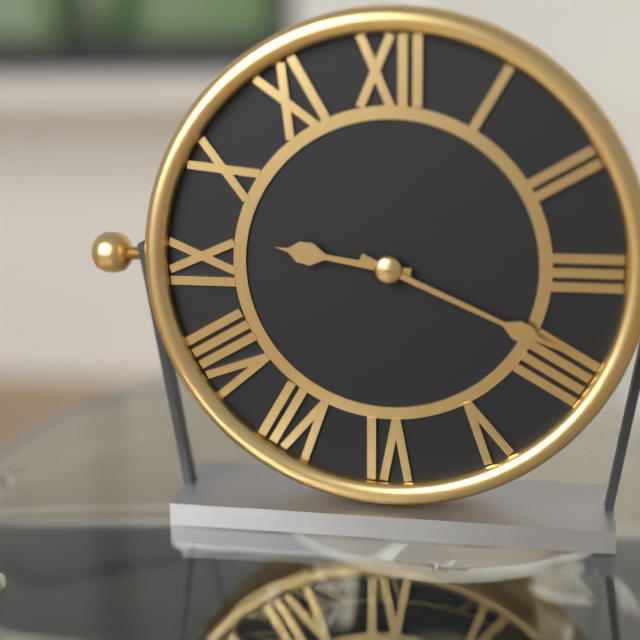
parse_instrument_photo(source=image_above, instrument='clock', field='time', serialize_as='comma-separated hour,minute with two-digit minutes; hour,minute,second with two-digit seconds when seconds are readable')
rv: 9,19
